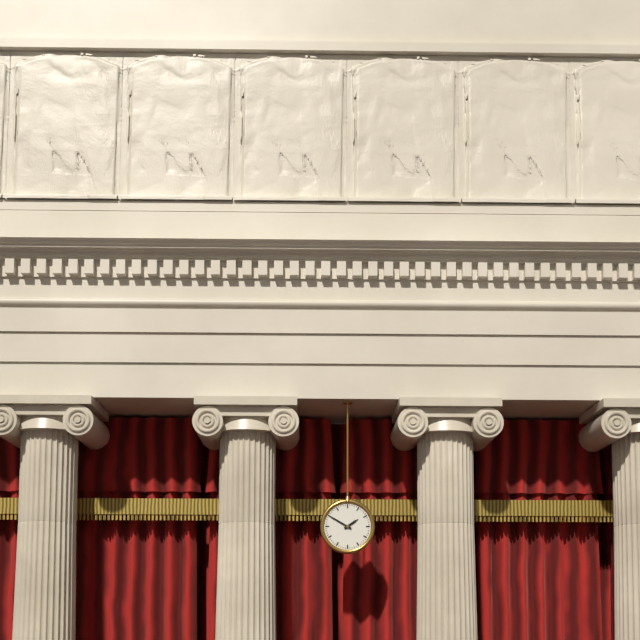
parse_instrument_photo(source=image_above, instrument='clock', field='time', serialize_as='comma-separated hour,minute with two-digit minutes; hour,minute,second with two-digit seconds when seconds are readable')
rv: 1,50
